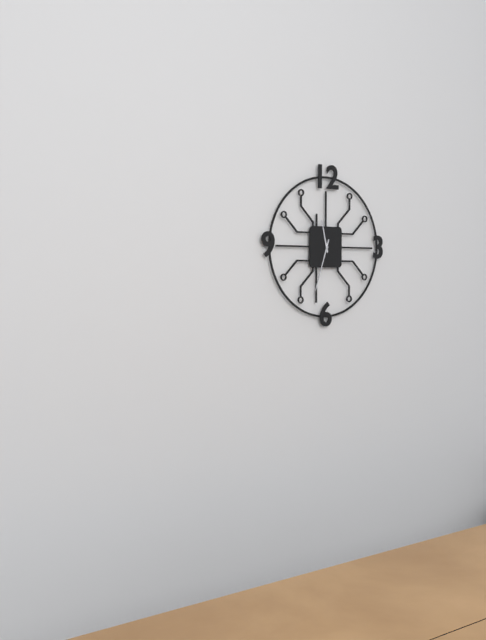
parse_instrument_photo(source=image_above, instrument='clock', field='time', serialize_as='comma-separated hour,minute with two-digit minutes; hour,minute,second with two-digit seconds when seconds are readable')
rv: 11,33
